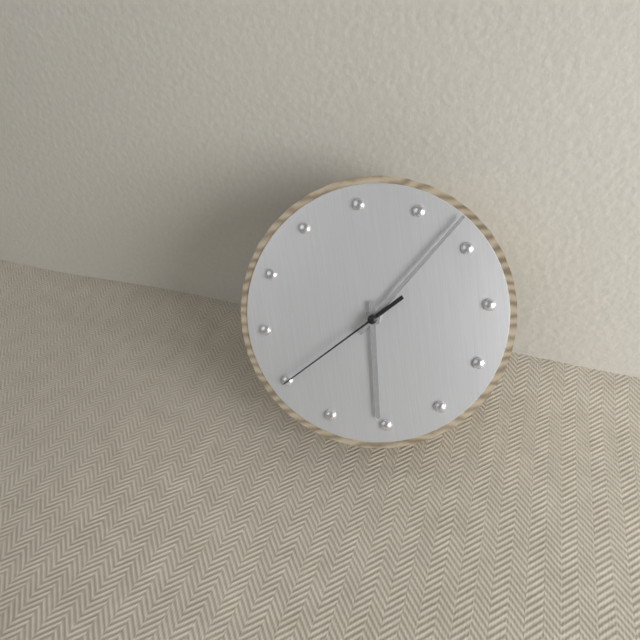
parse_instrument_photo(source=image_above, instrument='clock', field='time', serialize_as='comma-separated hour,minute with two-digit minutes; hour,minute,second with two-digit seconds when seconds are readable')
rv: 6,08,40
